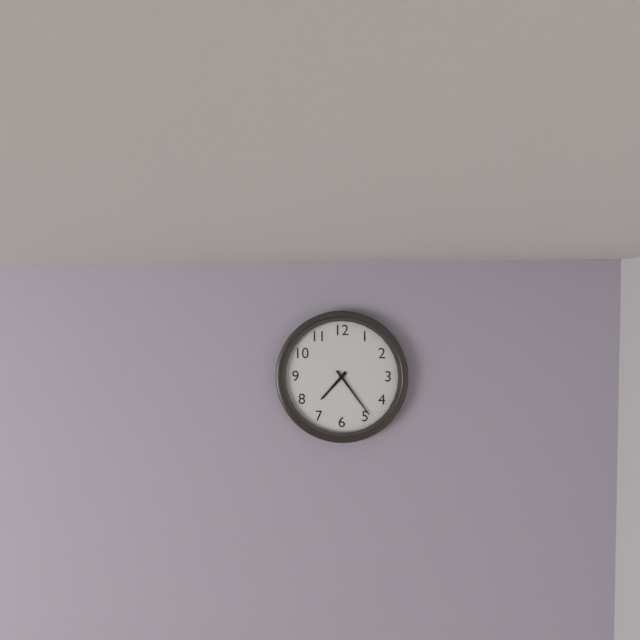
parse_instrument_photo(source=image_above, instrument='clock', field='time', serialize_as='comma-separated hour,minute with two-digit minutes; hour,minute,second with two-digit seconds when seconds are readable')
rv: 7,24
